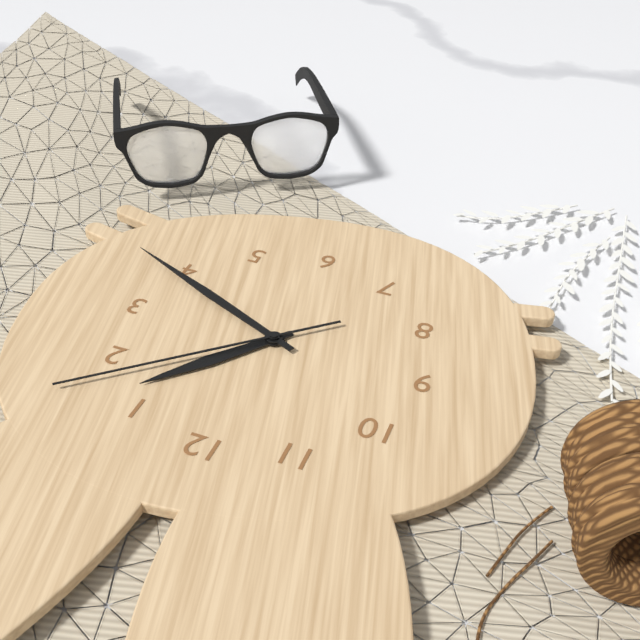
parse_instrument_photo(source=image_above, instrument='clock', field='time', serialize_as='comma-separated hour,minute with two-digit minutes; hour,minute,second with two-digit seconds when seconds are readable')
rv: 1,19,08
